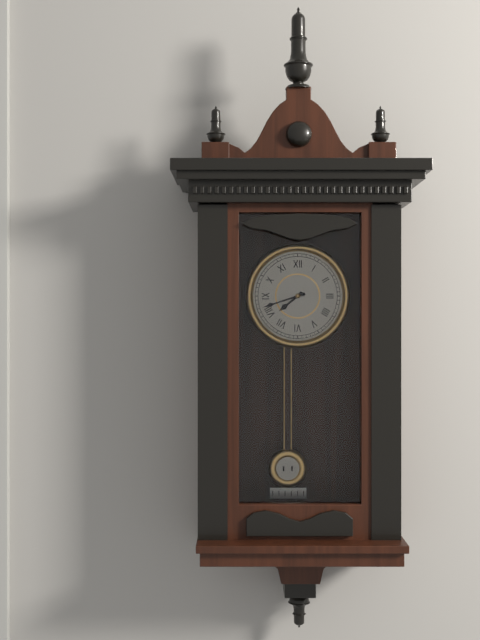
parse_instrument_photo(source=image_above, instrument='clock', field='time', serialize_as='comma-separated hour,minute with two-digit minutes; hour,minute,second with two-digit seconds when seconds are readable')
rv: 7,42
